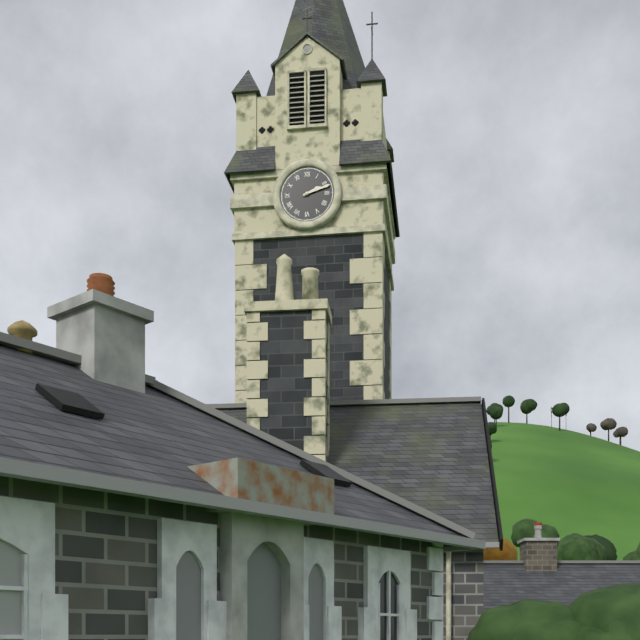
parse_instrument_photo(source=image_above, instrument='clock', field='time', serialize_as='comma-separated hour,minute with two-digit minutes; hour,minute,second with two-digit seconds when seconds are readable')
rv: 2,12
